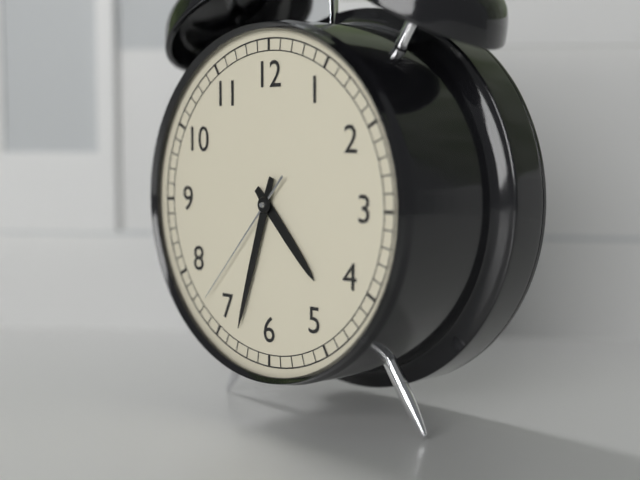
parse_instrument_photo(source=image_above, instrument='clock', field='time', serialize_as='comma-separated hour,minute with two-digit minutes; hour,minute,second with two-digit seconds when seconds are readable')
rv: 4,33,37
